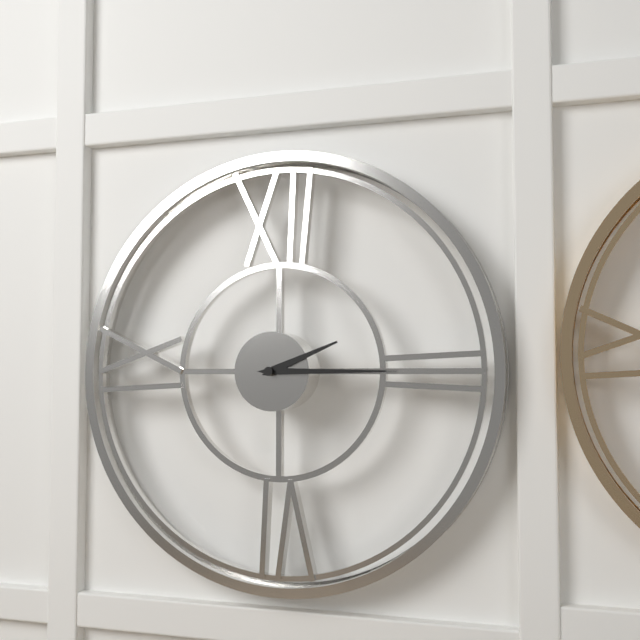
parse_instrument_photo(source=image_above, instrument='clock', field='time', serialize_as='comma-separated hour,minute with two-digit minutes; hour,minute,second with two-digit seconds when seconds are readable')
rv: 2,15
